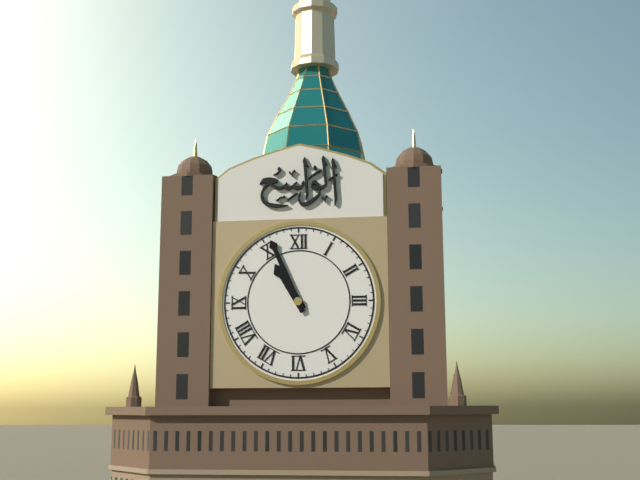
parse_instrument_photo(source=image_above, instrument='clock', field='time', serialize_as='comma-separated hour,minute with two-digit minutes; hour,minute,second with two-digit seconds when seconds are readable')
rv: 10,56
